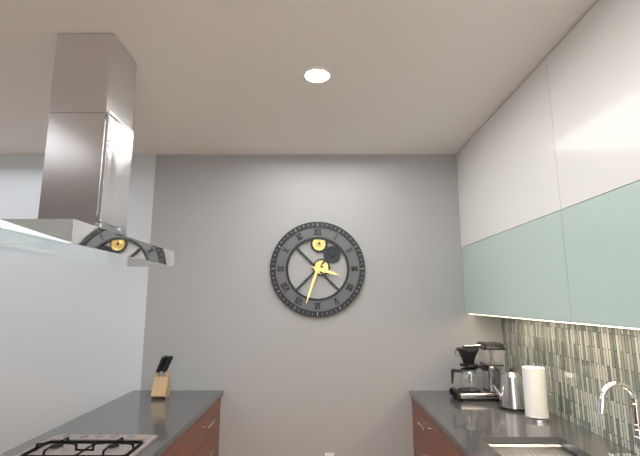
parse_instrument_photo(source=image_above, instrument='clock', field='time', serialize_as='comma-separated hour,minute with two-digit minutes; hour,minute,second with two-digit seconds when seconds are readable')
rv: 3,33
